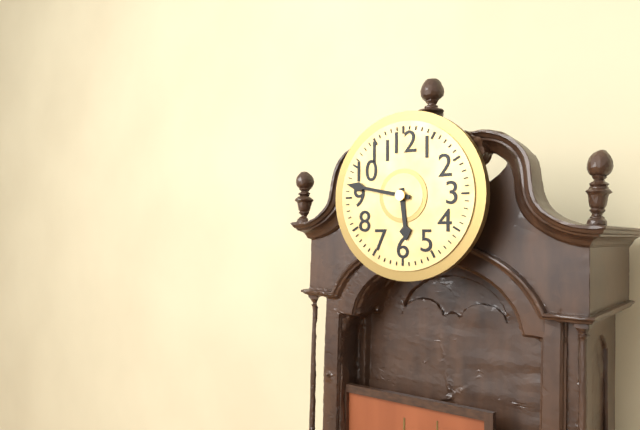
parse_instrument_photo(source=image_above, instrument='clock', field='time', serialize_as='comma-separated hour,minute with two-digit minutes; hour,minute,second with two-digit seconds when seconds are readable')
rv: 5,47
